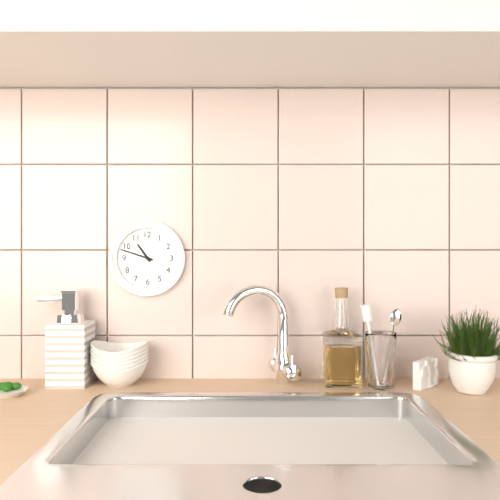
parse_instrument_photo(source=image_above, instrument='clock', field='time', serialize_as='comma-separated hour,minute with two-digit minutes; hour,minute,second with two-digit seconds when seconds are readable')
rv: 10,48
